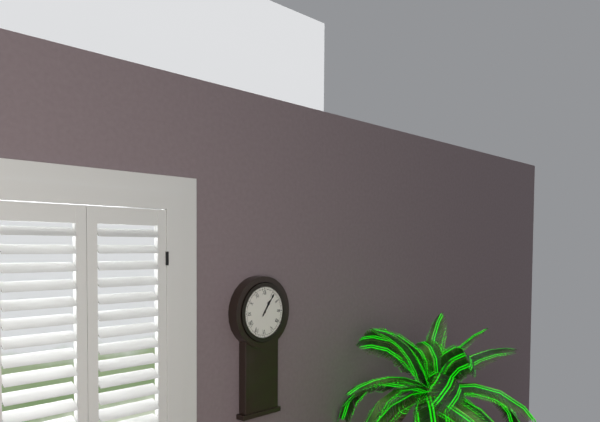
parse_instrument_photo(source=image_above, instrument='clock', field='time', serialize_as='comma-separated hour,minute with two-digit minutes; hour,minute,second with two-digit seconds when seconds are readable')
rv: 1,06
